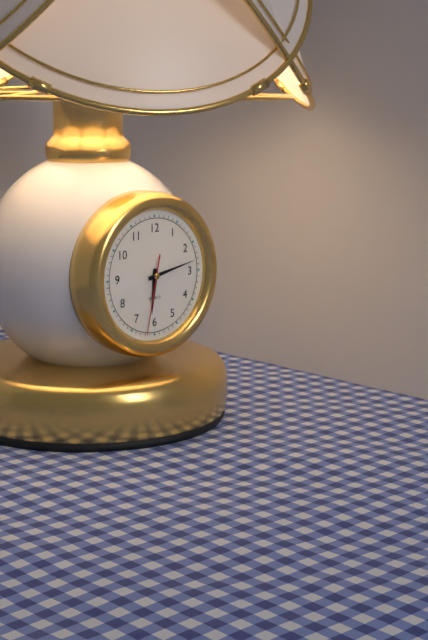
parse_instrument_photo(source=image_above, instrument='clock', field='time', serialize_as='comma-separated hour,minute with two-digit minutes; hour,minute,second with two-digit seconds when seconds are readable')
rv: 6,13,32
